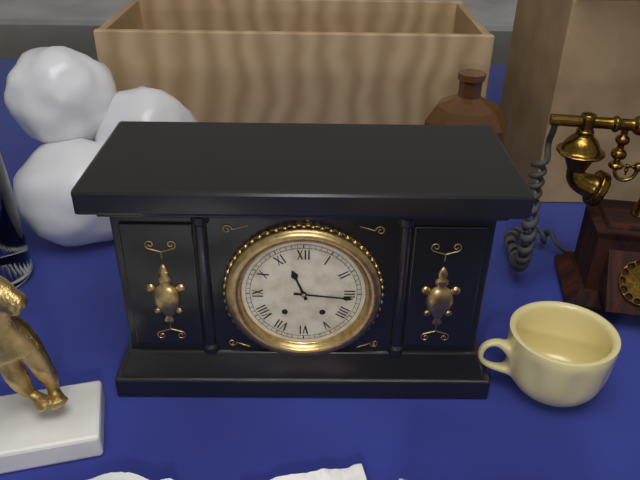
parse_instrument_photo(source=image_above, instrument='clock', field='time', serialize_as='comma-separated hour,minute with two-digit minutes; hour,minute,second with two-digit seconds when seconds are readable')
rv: 11,16
